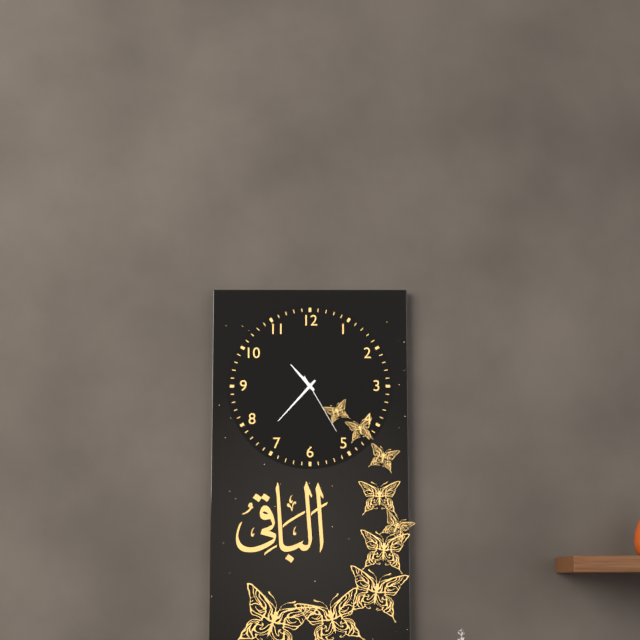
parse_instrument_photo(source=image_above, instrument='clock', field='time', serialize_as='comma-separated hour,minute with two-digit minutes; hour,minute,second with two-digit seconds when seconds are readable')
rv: 10,37,25
